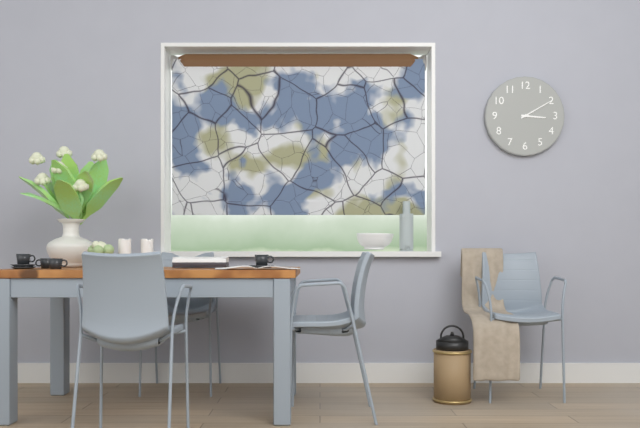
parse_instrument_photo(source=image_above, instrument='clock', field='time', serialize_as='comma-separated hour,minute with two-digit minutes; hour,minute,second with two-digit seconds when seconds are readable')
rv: 3,10
